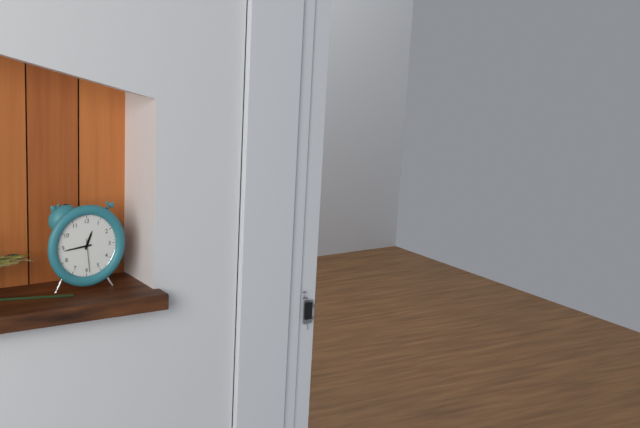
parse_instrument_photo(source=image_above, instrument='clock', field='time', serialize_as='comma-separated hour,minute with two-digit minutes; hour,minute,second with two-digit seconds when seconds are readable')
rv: 12,44
